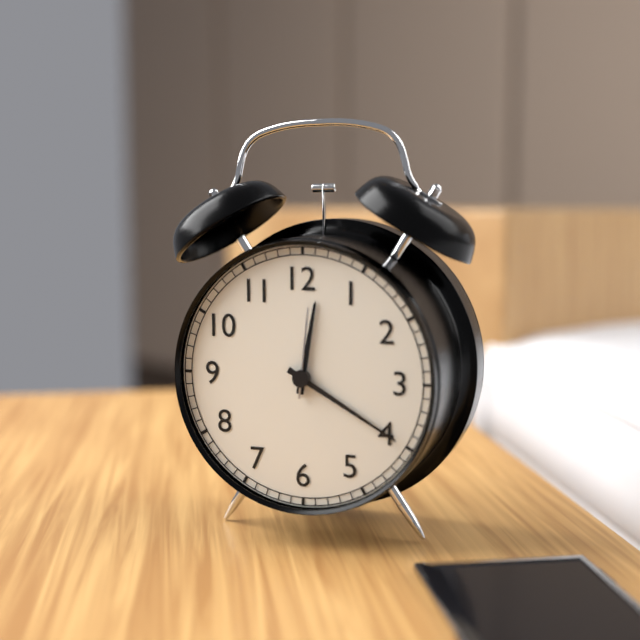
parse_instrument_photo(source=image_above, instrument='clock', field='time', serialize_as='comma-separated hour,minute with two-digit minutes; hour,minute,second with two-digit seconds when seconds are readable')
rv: 12,20,01
